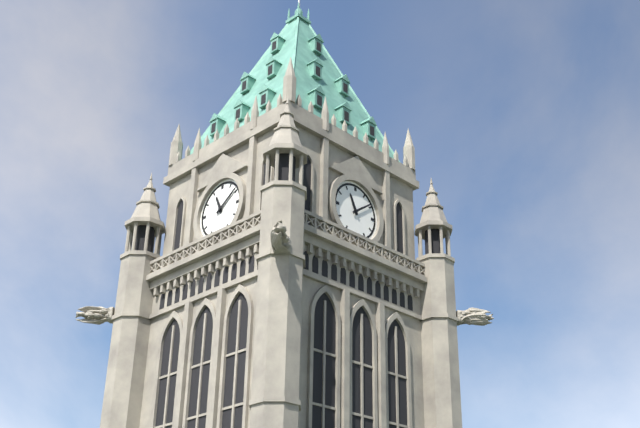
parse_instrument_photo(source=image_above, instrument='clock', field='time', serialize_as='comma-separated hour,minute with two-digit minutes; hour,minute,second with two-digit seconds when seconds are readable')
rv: 11,09
